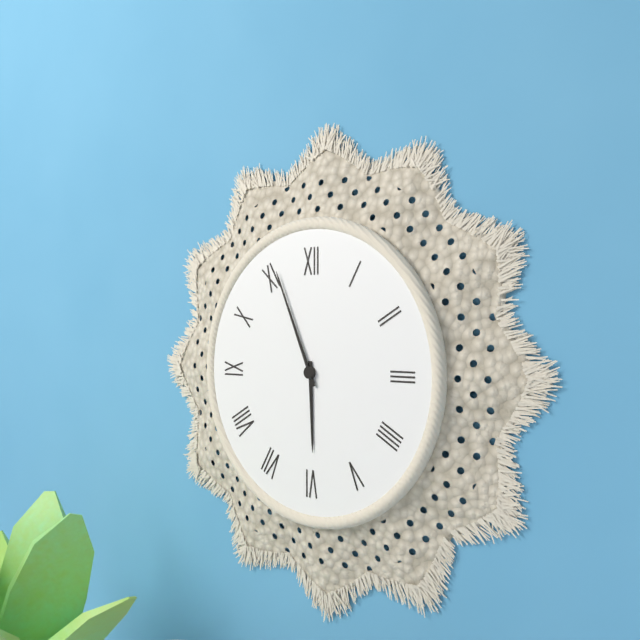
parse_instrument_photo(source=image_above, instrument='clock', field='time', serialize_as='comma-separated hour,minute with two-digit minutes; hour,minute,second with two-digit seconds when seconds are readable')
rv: 5,56
